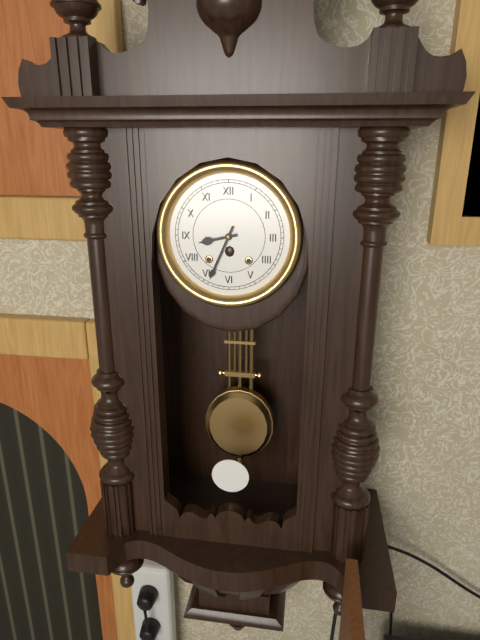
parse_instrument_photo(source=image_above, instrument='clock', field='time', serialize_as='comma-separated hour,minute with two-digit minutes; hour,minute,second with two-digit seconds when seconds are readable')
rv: 8,34
